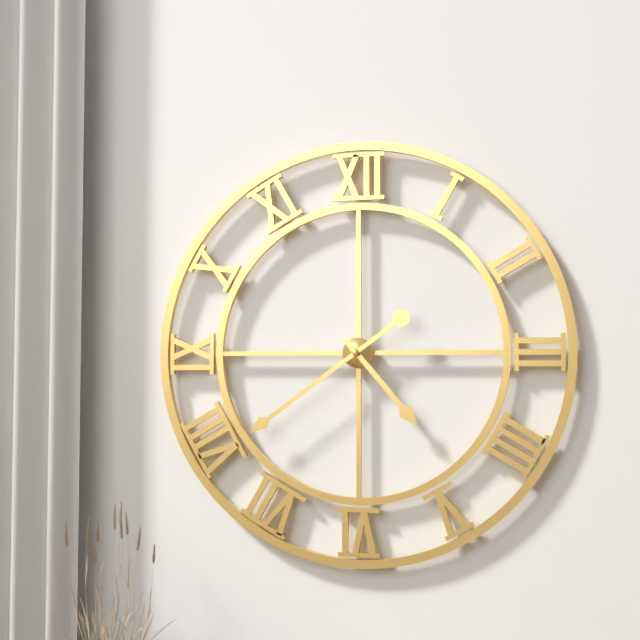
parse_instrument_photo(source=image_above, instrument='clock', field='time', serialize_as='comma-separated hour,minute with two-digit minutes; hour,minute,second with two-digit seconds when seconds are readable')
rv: 4,39
